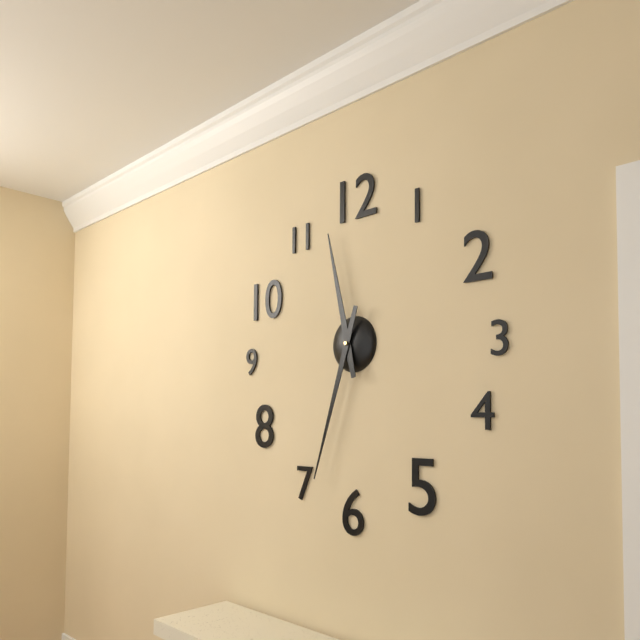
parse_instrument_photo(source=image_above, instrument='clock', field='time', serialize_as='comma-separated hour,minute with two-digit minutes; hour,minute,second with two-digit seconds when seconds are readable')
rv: 11,33
